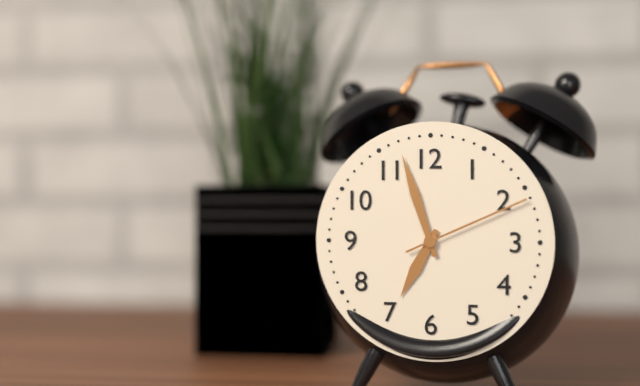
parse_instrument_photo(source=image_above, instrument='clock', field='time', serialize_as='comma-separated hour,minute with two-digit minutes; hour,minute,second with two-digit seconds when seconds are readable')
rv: 6,57,11
